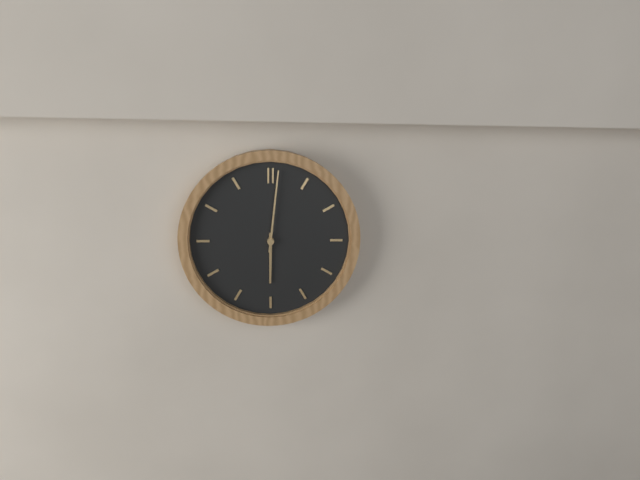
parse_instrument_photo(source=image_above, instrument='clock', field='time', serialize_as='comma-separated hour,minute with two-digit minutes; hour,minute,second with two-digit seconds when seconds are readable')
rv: 6,01
